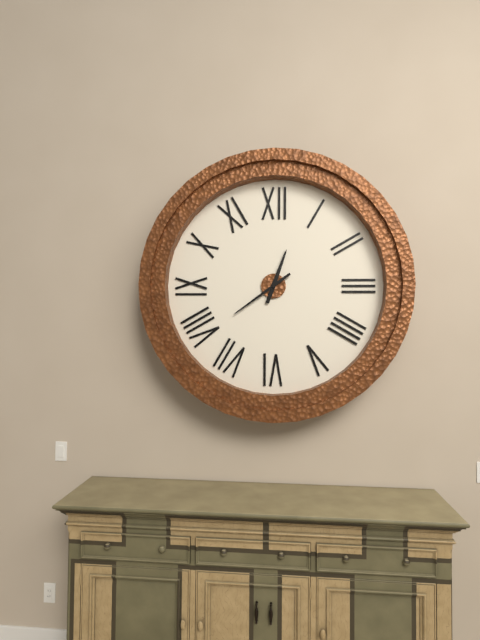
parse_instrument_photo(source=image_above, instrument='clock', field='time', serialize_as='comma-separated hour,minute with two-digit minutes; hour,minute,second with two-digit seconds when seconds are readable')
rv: 12,39
